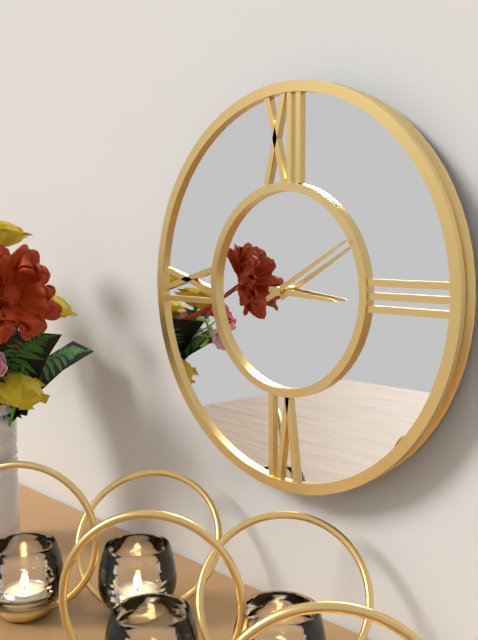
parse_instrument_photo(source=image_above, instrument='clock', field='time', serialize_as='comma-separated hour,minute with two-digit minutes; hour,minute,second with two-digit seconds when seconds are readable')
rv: 3,10
